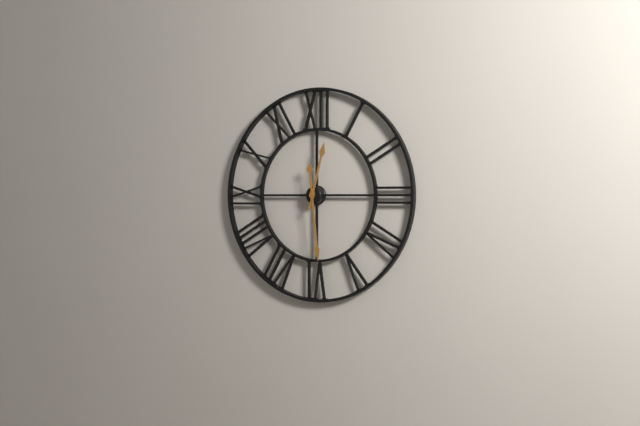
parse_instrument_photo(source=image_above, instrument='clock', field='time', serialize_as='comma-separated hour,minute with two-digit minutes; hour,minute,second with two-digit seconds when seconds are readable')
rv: 12,29
